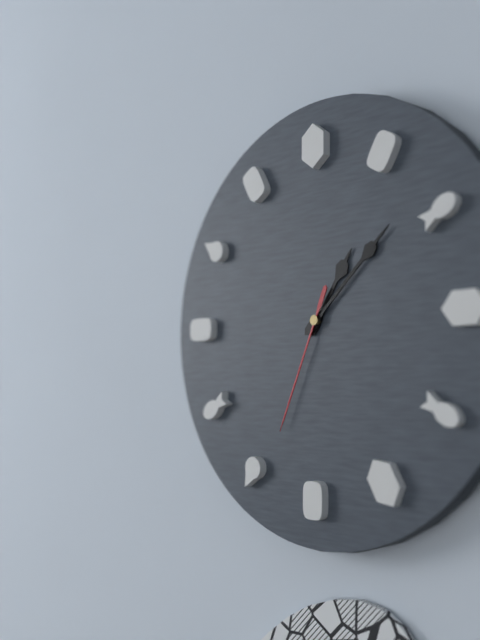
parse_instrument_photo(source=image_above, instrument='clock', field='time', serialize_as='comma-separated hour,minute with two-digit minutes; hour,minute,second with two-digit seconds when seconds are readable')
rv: 1,08,34
